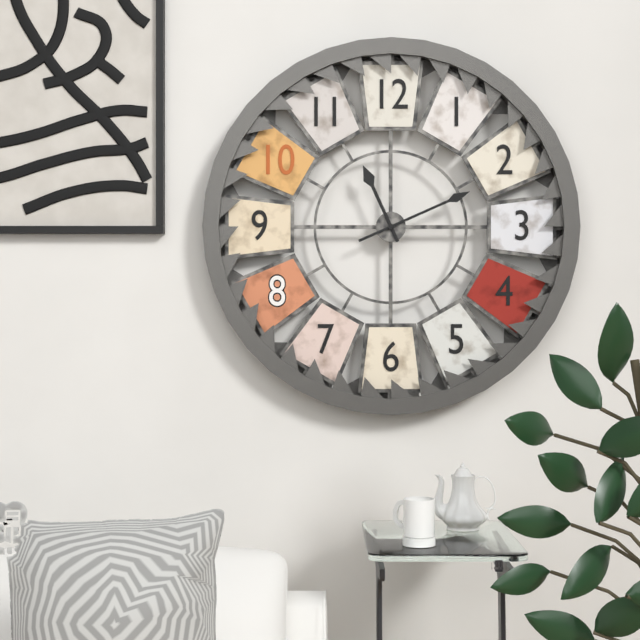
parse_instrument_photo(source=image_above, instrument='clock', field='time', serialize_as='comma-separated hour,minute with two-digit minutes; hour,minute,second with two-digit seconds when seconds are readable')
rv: 11,11
